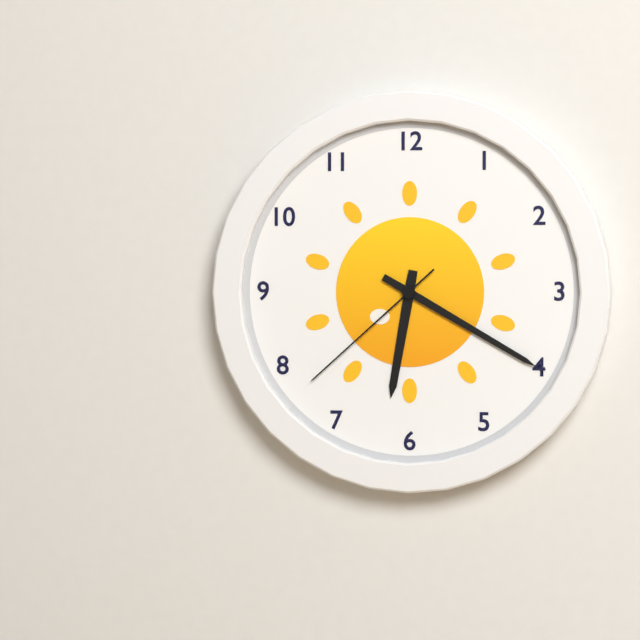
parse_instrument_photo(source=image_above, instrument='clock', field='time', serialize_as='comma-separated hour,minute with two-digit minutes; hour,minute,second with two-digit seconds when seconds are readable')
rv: 6,20,38
